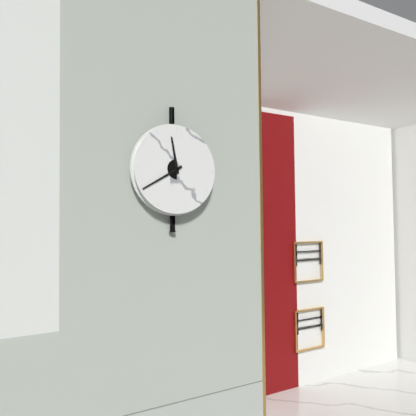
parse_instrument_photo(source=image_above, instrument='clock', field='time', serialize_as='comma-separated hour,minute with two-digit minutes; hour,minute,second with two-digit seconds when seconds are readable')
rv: 11,40
